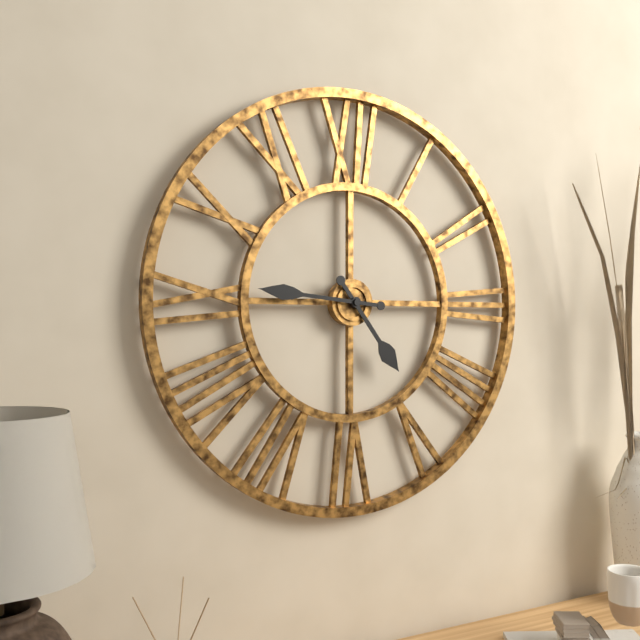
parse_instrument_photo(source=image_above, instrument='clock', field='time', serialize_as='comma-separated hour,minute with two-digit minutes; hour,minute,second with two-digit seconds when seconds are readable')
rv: 4,46
